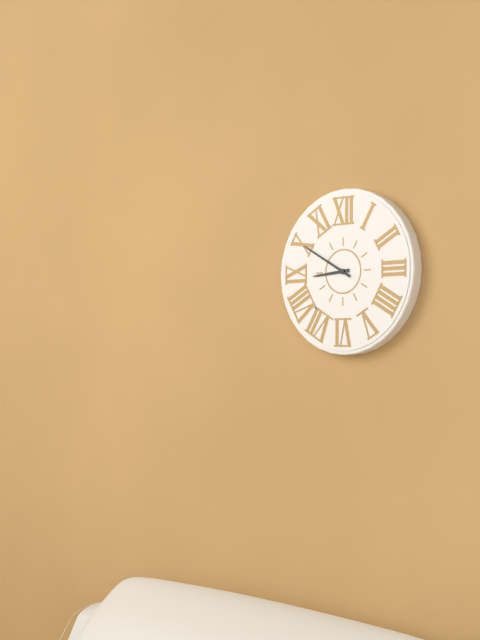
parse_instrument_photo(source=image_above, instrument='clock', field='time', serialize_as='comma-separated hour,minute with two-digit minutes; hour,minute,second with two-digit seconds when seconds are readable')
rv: 8,50
